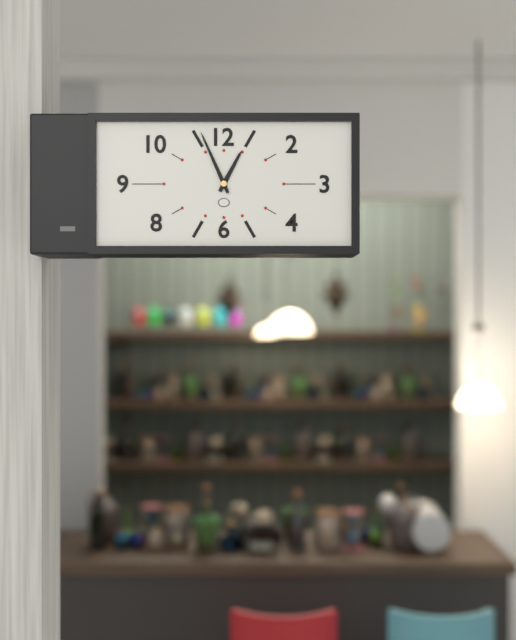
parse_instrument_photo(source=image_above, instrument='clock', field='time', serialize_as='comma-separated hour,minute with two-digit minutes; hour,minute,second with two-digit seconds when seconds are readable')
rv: 12,56
